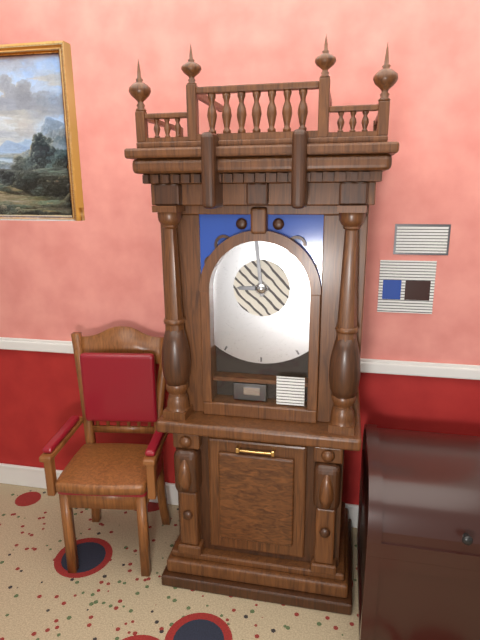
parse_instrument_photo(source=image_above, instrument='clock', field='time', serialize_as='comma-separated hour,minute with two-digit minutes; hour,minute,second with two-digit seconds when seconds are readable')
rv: 8,59
